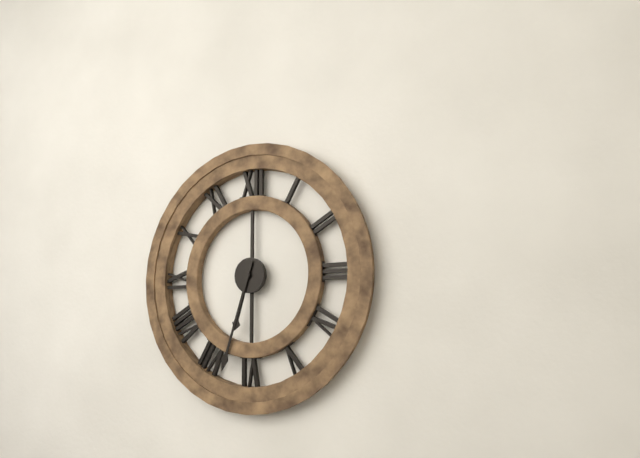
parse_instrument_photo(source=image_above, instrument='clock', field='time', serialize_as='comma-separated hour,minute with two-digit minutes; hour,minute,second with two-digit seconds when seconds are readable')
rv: 6,33
